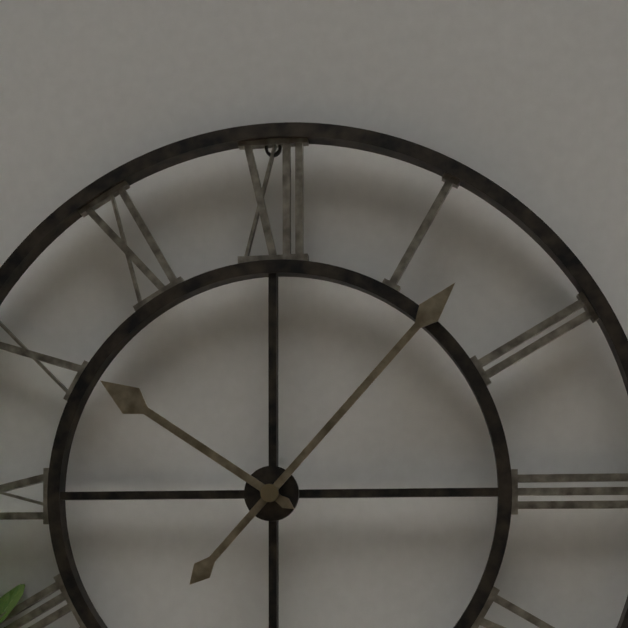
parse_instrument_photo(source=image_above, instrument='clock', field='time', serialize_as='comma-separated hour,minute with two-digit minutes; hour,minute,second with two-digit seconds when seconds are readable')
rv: 10,07
